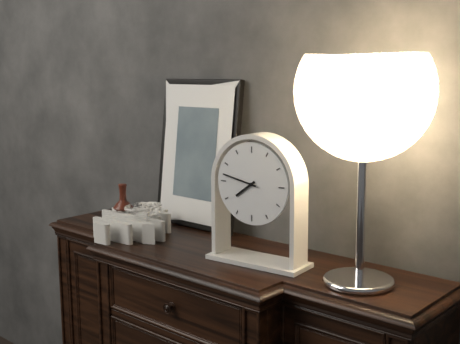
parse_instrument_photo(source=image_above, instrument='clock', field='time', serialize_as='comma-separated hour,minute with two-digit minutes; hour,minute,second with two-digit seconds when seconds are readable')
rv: 7,47
